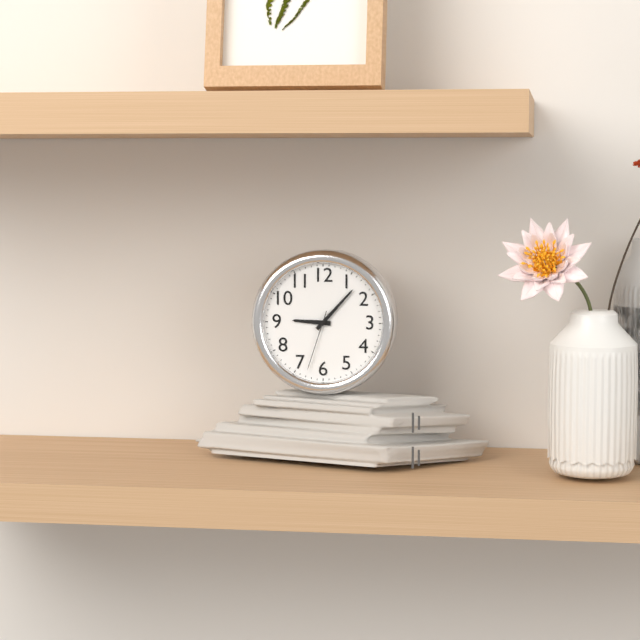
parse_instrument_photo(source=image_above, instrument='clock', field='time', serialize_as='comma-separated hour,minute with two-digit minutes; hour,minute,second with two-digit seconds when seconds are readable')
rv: 9,07,33
